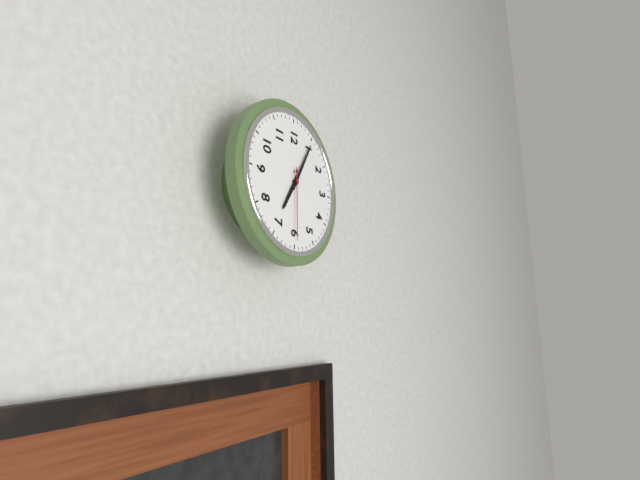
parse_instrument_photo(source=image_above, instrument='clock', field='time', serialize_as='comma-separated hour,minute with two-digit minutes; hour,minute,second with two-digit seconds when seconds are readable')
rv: 7,05,30
